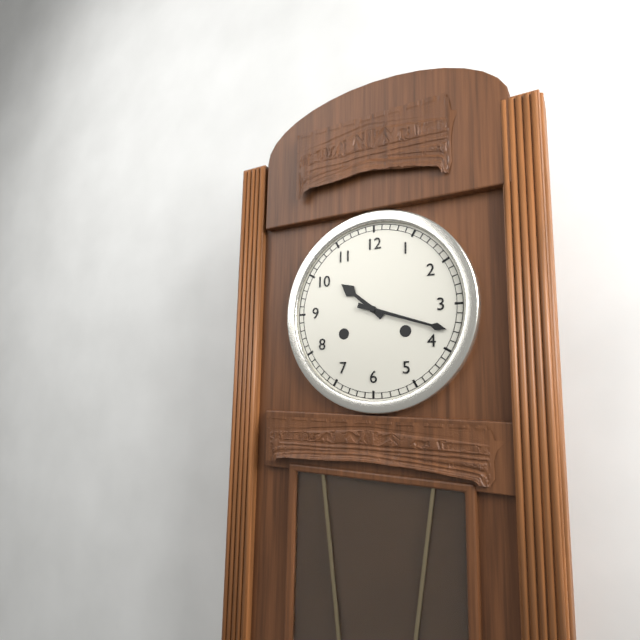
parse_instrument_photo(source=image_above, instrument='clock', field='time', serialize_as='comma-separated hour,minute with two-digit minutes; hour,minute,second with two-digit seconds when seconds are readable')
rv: 10,18
